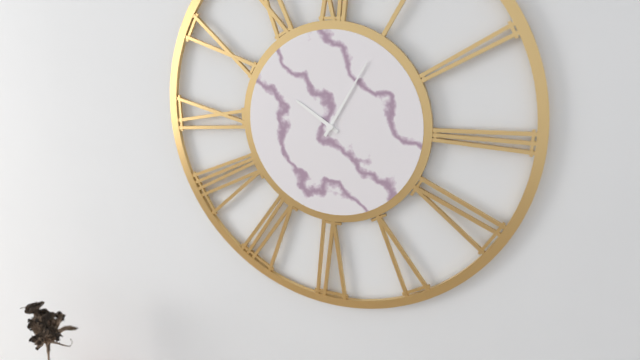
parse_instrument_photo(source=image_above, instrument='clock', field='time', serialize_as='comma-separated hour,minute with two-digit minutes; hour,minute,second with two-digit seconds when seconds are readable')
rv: 10,05
